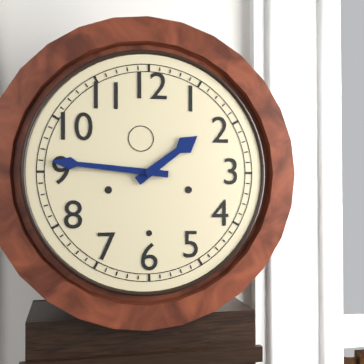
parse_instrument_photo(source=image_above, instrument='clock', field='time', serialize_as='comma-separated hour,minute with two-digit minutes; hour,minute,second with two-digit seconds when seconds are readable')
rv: 1,46
